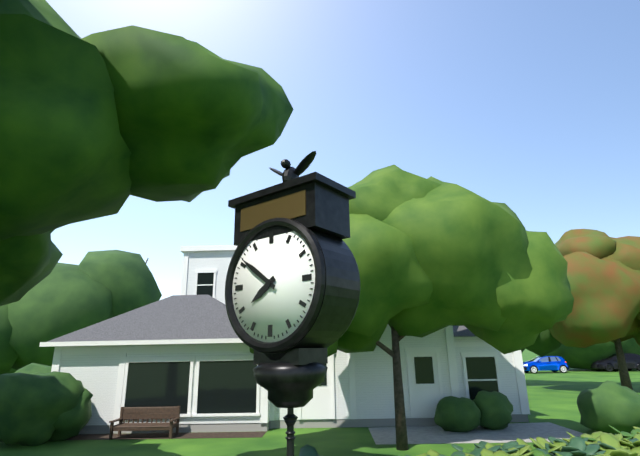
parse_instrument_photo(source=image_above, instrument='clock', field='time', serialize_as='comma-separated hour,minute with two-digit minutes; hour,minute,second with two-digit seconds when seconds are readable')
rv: 7,51
